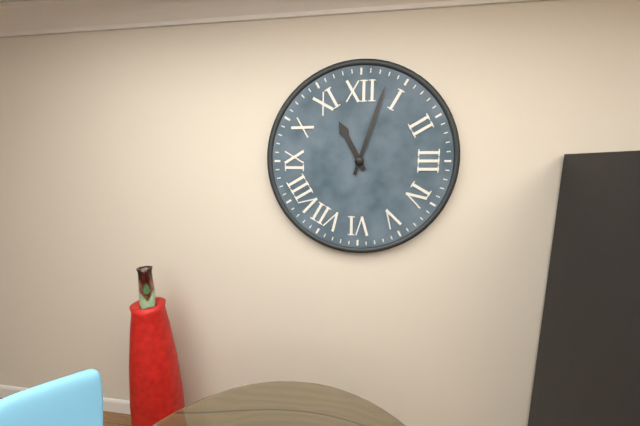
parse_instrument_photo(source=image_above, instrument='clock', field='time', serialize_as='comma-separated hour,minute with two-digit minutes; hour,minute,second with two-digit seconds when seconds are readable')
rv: 11,03
